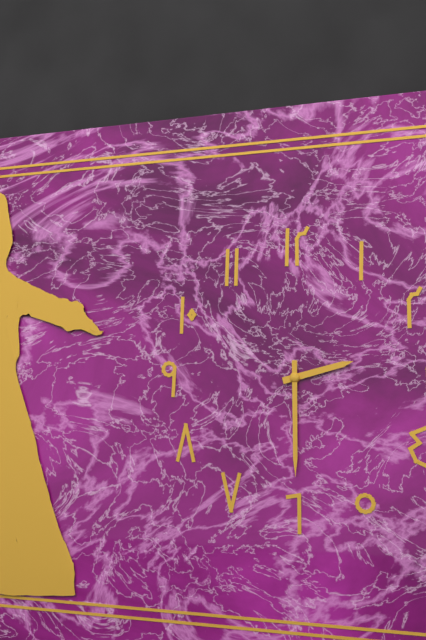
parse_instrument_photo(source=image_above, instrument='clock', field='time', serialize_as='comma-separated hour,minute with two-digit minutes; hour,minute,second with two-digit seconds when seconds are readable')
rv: 2,30
